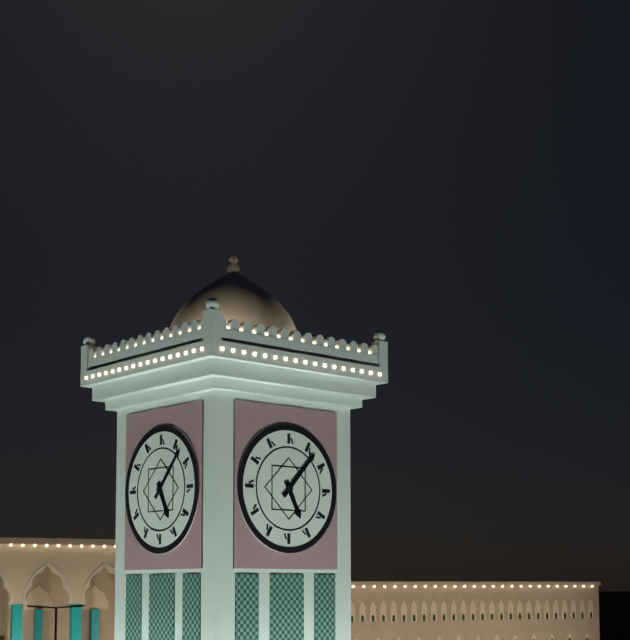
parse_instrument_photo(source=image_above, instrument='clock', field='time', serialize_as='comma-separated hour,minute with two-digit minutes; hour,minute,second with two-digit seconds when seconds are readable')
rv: 5,07
